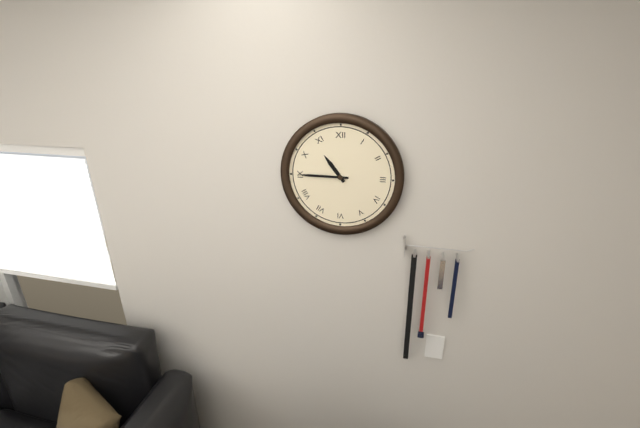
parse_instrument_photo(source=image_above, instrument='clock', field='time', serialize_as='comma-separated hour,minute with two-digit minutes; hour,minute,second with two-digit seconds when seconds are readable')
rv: 10,45
